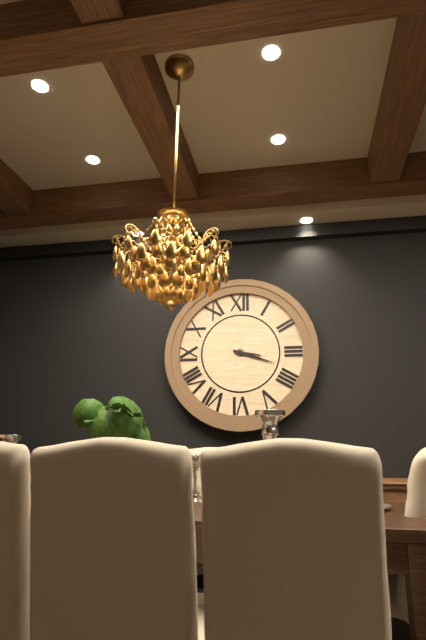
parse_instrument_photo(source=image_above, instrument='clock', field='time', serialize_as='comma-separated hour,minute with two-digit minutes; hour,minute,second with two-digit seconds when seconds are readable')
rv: 3,18
